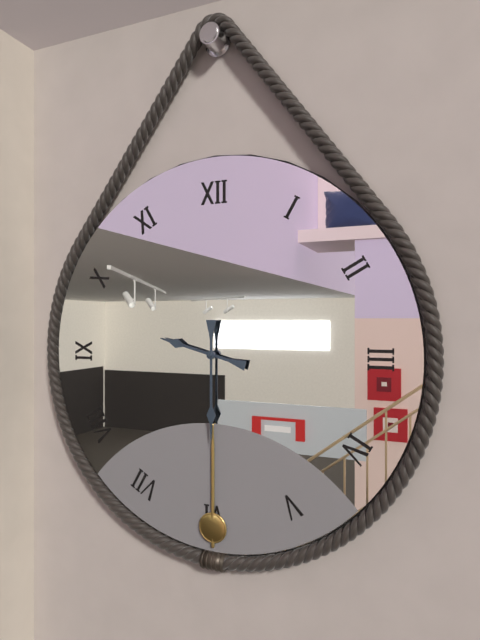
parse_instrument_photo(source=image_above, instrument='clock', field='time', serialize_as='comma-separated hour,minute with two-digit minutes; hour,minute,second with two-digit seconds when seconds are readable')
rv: 9,30
